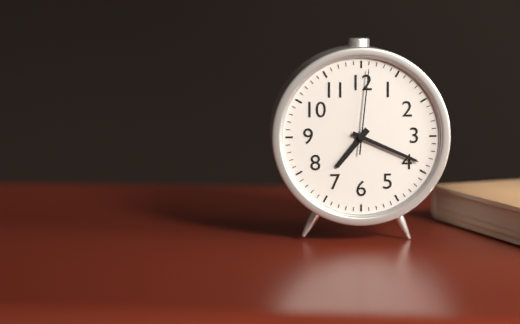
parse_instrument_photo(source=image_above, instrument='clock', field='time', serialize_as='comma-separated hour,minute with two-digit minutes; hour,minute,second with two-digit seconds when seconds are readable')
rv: 7,19,01
